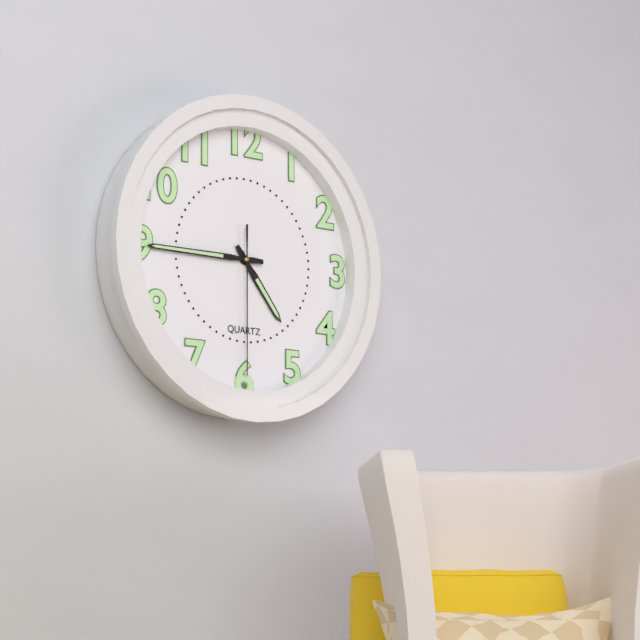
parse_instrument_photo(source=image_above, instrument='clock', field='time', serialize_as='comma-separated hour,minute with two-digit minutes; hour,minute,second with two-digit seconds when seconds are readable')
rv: 4,45,30
